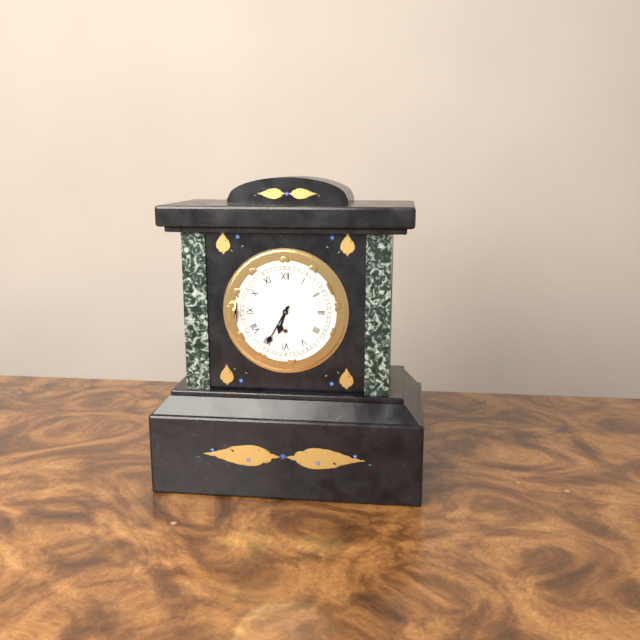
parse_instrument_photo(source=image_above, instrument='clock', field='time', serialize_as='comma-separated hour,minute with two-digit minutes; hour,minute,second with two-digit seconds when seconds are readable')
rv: 6,35
